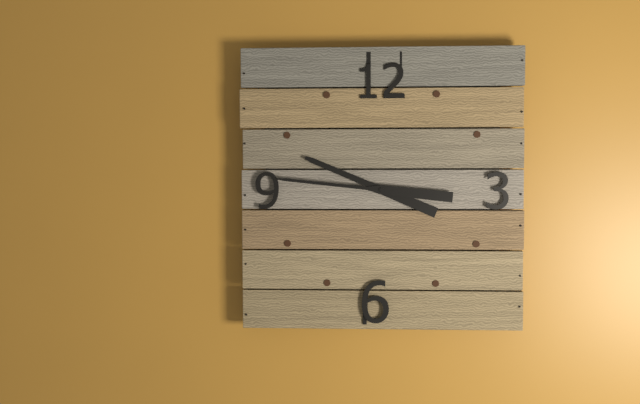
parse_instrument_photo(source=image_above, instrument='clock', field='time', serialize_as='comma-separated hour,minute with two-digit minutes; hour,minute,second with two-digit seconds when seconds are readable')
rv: 9,46
